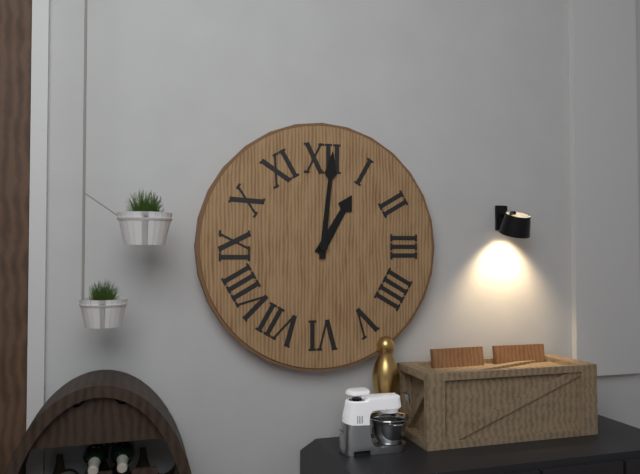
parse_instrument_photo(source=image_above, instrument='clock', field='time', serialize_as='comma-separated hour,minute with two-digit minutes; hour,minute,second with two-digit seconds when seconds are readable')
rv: 1,01
